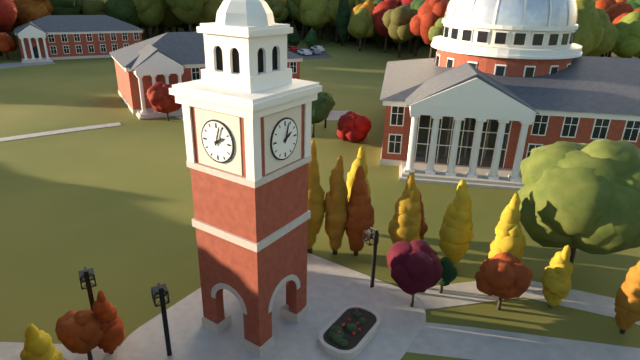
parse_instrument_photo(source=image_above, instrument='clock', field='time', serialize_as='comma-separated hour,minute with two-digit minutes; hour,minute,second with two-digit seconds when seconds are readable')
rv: 2,03
